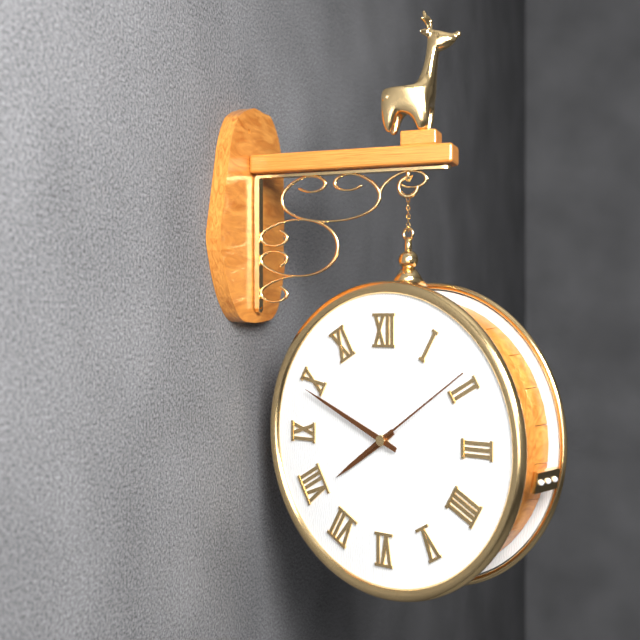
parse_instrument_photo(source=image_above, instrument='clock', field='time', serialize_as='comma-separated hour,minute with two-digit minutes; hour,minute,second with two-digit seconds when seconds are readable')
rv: 7,49,09
